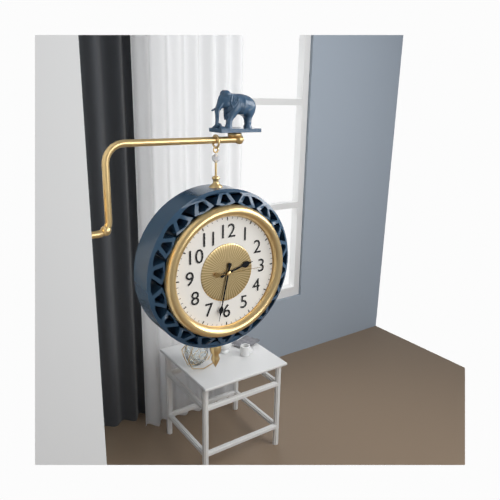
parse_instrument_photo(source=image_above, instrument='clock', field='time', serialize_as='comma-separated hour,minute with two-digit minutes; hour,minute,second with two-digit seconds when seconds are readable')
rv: 2,32,15
